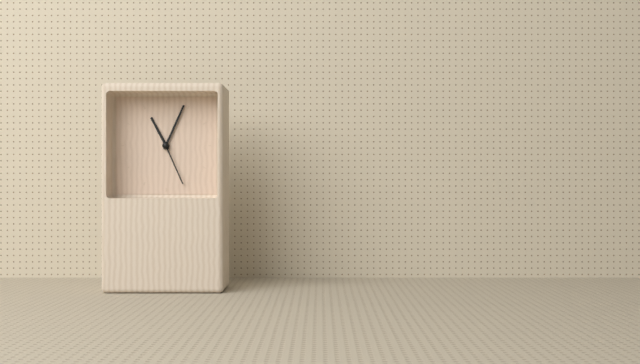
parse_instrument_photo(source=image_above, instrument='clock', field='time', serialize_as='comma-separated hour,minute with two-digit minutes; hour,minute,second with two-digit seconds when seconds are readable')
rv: 11,04,26
